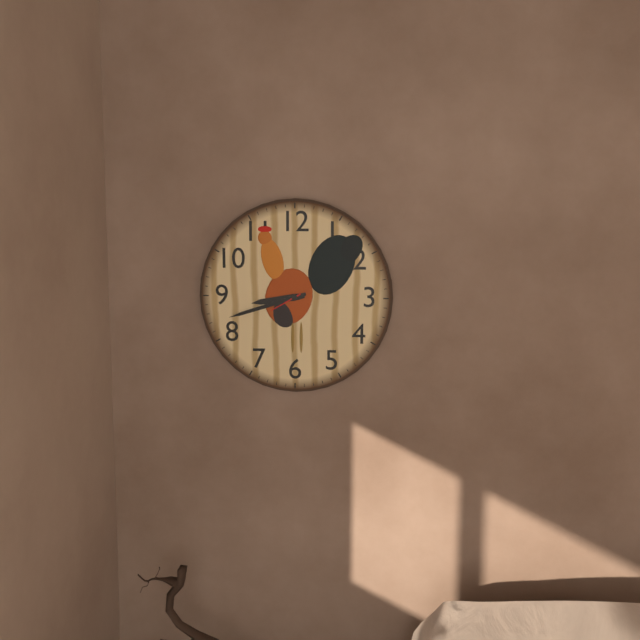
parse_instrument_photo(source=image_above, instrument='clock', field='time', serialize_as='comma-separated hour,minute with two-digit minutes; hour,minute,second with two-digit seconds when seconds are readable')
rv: 8,42
